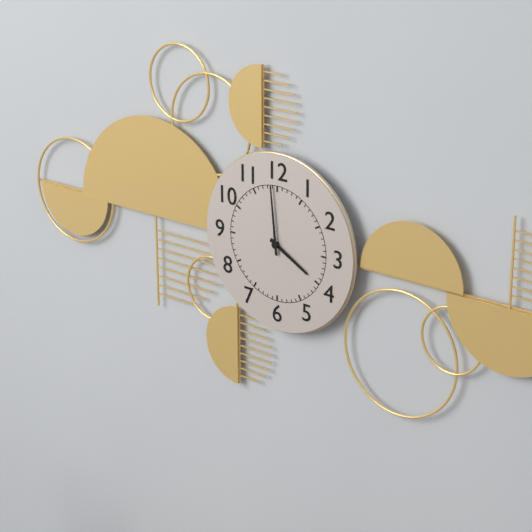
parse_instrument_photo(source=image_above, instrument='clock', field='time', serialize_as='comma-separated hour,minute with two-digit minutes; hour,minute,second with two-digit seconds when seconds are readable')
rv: 3,59
